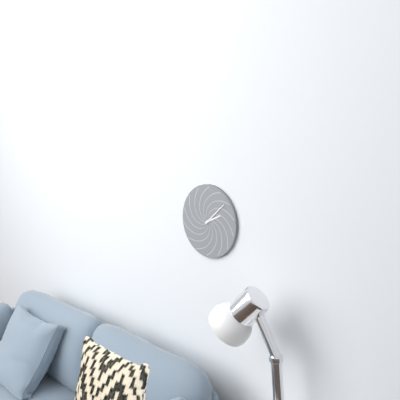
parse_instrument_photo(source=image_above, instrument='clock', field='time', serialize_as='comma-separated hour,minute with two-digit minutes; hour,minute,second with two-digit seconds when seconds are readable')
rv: 2,08
